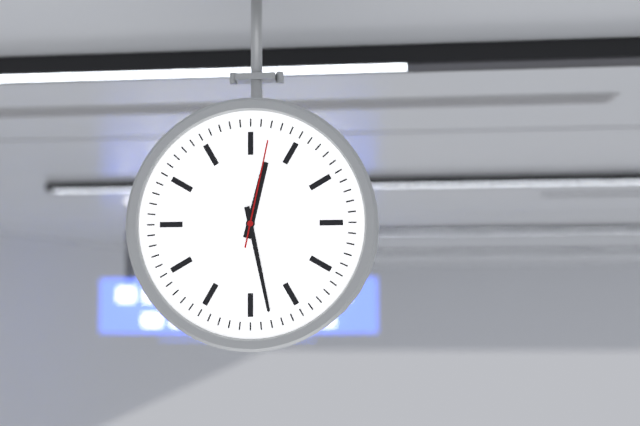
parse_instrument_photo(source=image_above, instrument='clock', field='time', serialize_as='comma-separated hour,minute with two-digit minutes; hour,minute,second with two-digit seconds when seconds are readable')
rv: 12,28,02
